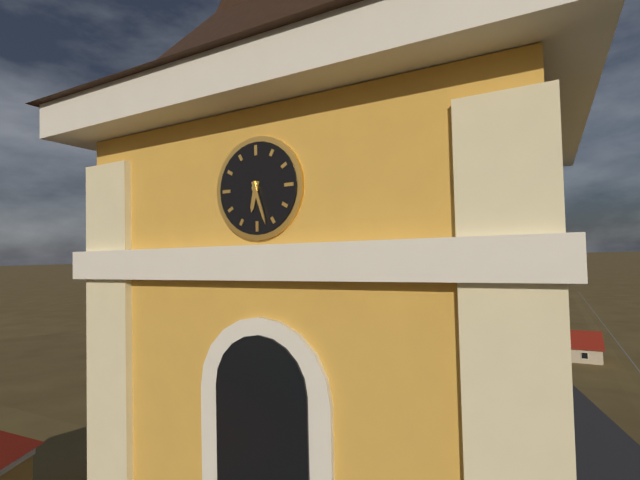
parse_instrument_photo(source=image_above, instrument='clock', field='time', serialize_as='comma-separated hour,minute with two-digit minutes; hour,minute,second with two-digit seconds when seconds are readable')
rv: 6,27
